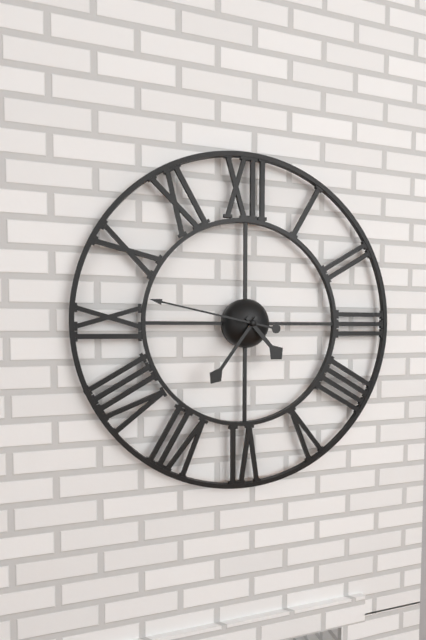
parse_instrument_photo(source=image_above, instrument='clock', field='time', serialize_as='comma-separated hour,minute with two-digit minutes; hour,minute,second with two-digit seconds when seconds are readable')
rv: 4,36,47
